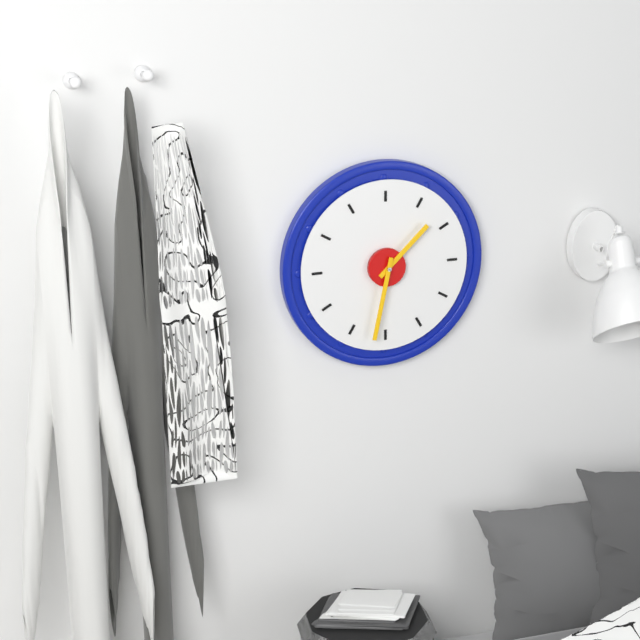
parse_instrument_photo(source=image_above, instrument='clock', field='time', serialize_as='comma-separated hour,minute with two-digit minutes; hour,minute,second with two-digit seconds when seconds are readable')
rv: 1,32
